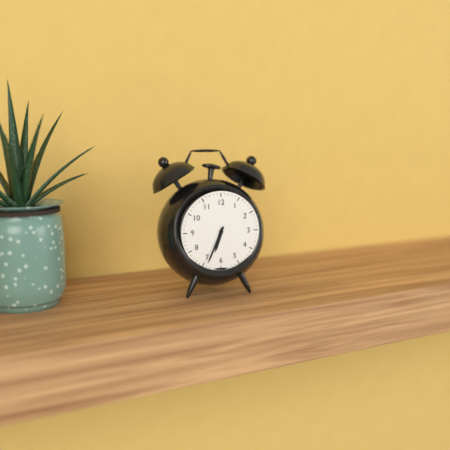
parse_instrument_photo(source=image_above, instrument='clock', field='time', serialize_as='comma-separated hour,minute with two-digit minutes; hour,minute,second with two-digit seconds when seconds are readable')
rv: 6,34
